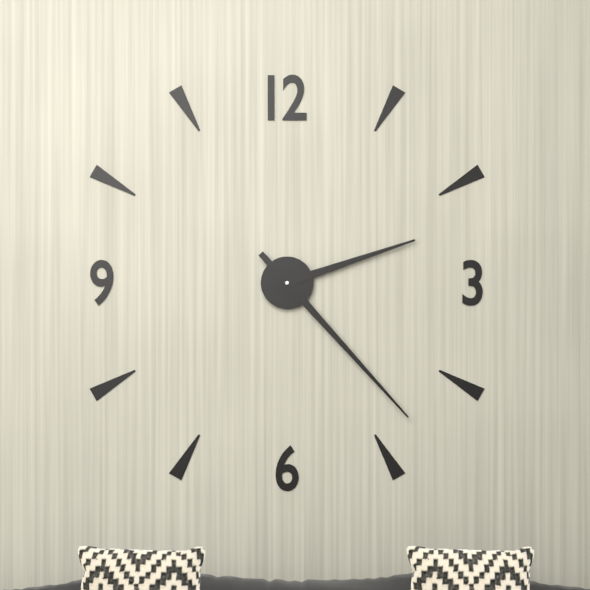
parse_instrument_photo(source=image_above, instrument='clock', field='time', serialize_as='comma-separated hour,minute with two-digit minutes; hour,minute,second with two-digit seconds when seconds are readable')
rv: 2,23
